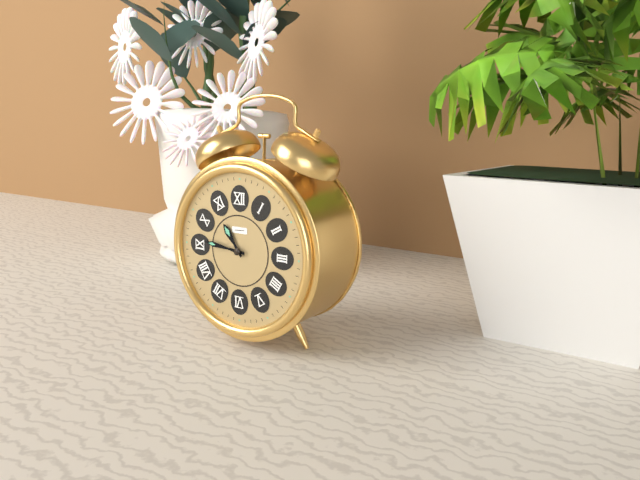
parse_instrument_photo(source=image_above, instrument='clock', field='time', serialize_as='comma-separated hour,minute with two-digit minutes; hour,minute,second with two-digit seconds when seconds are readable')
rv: 10,46
